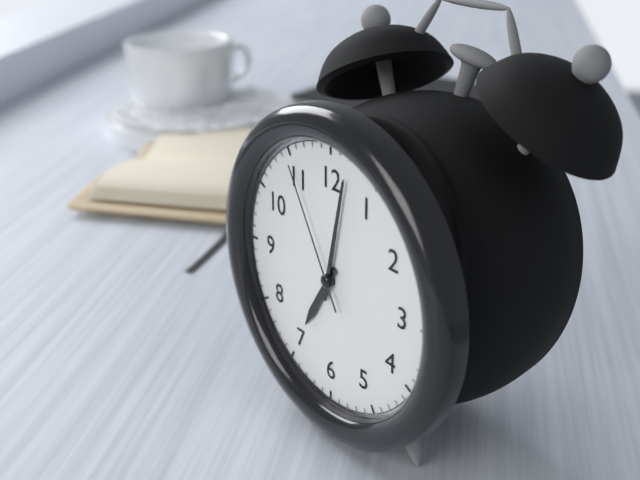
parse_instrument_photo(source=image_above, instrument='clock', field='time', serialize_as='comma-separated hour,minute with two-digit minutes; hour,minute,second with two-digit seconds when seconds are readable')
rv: 7,02,55
